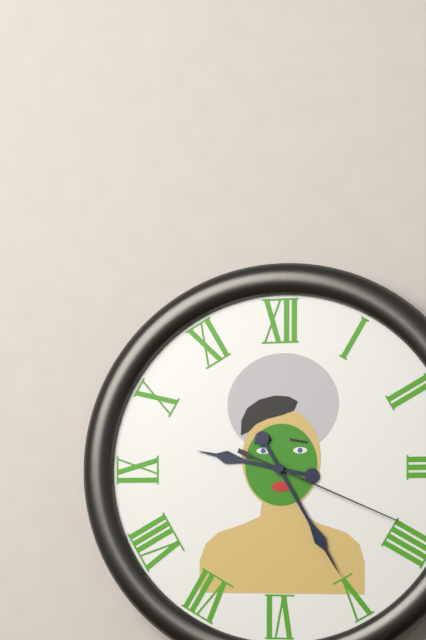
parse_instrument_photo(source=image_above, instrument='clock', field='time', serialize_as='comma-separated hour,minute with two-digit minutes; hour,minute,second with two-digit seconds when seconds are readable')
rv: 9,25,19
